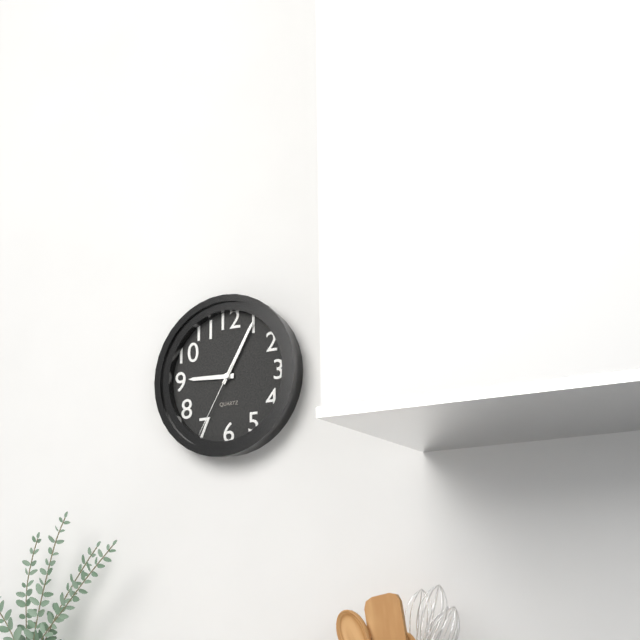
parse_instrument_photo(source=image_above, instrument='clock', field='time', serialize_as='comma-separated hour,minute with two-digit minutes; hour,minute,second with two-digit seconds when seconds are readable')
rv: 9,05,35
